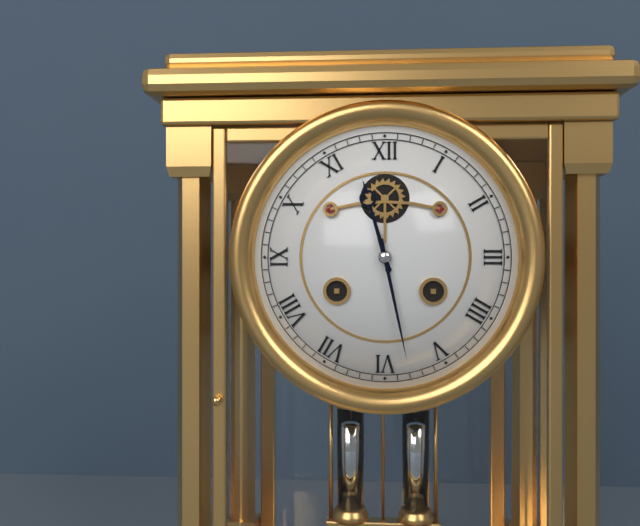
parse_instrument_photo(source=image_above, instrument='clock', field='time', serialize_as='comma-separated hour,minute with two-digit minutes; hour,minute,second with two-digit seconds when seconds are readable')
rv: 11,28
